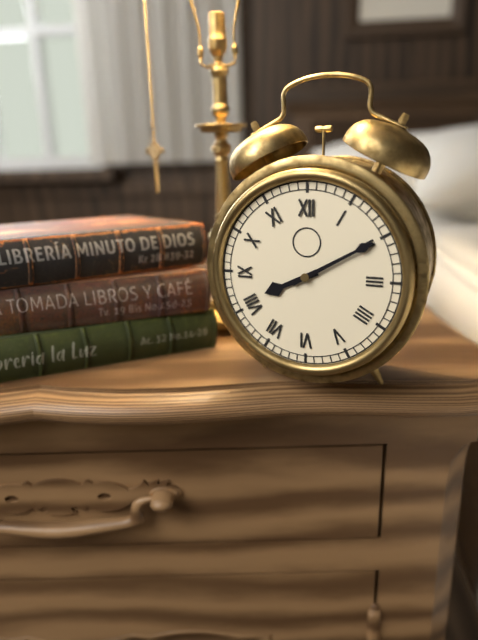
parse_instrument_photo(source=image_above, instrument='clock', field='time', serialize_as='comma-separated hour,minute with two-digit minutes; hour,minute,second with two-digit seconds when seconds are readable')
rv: 8,10
